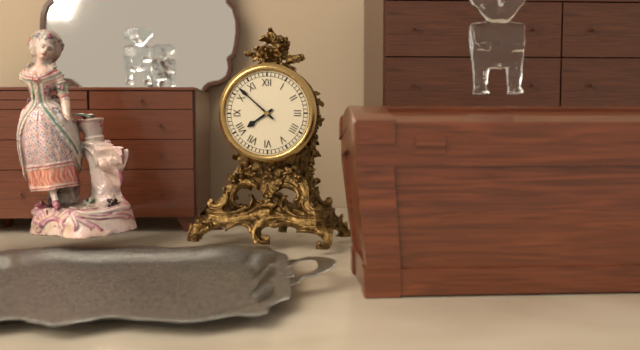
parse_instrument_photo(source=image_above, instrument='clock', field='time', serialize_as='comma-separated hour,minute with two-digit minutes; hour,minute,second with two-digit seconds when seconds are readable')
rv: 7,52
